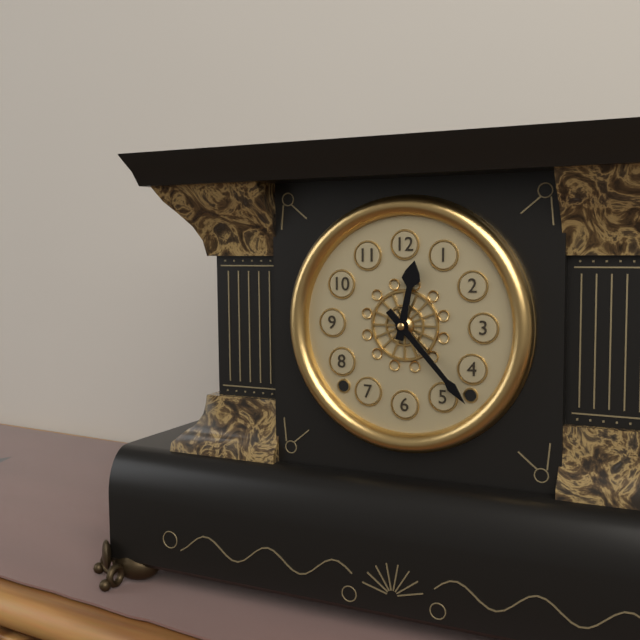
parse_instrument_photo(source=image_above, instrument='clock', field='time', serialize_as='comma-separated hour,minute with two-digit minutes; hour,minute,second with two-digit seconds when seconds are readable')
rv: 12,23
